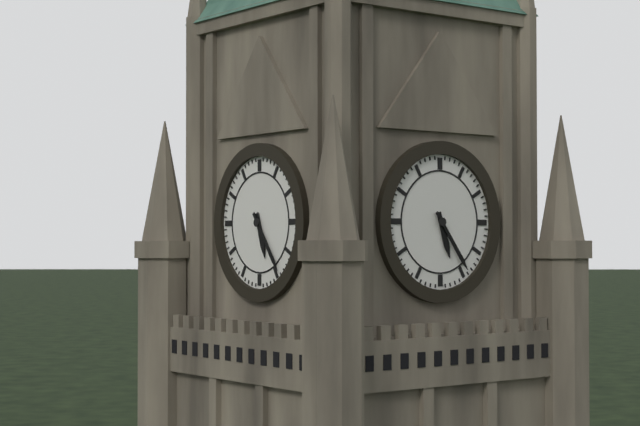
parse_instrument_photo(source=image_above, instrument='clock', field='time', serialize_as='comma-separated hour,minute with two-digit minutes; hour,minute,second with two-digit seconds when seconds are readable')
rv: 5,24
